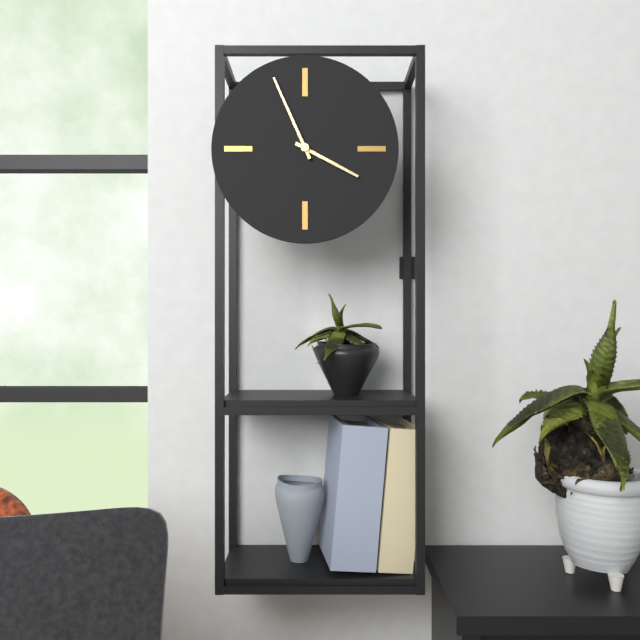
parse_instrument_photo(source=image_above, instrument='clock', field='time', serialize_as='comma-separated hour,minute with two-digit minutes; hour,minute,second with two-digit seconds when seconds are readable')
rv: 3,56
